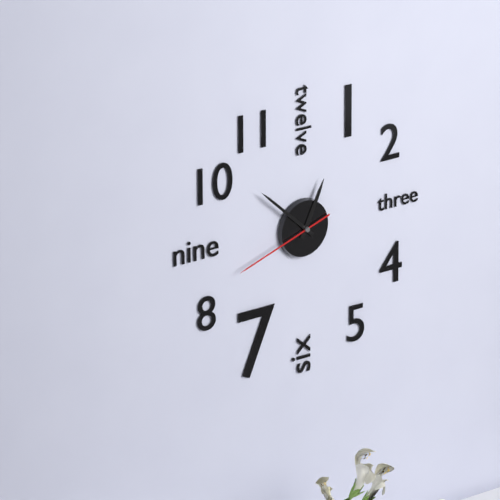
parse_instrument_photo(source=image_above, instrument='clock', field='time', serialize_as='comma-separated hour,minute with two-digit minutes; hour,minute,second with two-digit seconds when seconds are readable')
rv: 12,52,42
